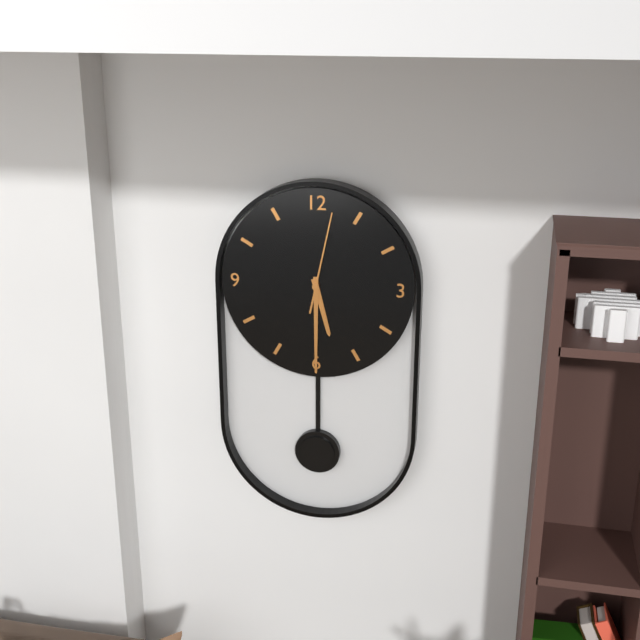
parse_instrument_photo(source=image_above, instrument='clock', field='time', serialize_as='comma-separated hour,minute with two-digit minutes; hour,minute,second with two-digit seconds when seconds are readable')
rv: 5,30,02
